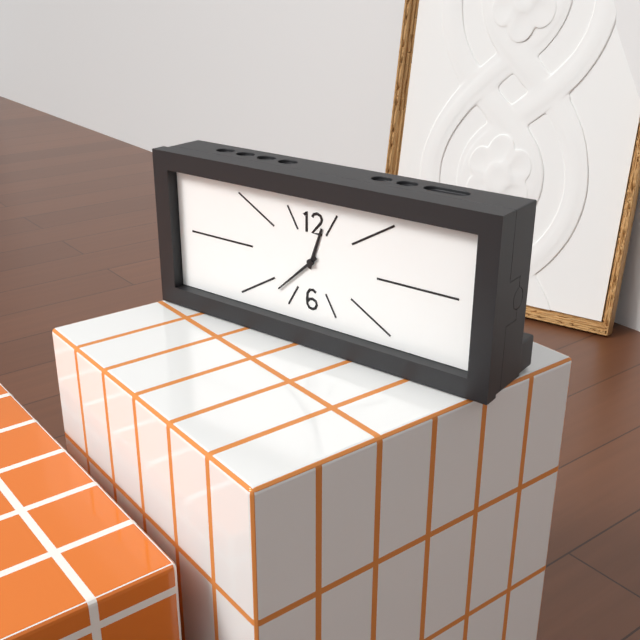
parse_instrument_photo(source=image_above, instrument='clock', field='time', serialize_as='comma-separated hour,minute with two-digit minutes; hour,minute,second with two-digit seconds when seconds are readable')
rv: 12,38
